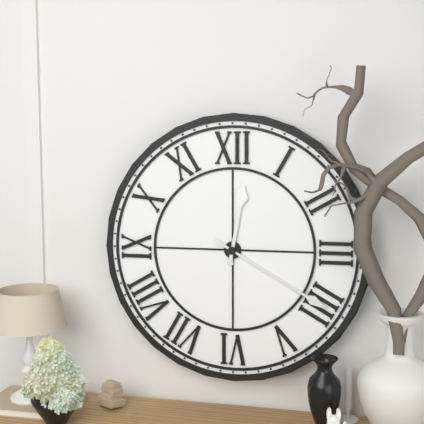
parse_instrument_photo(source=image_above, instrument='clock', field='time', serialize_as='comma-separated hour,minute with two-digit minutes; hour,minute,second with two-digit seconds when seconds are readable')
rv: 12,20
